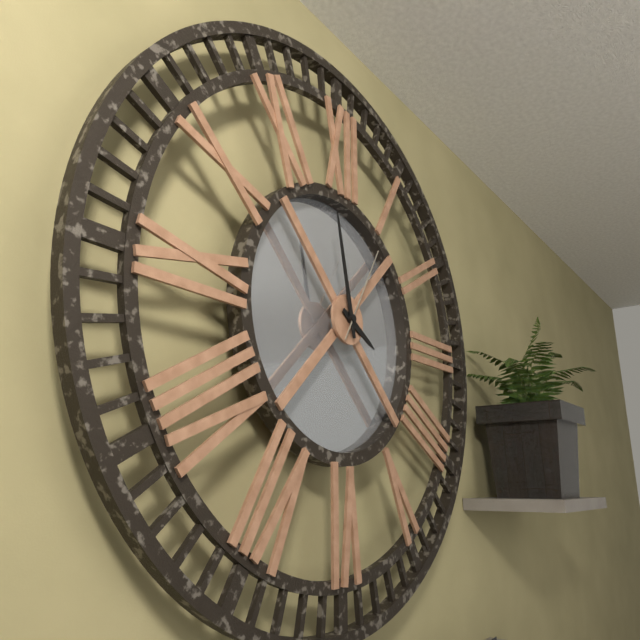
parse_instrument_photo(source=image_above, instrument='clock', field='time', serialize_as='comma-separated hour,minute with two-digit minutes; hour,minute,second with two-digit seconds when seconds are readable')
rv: 3,58,05
